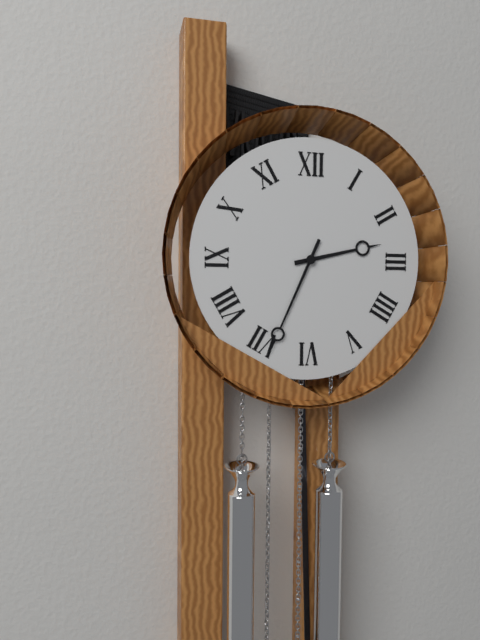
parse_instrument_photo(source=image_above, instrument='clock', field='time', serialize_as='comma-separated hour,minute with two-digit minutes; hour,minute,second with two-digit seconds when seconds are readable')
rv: 2,34
